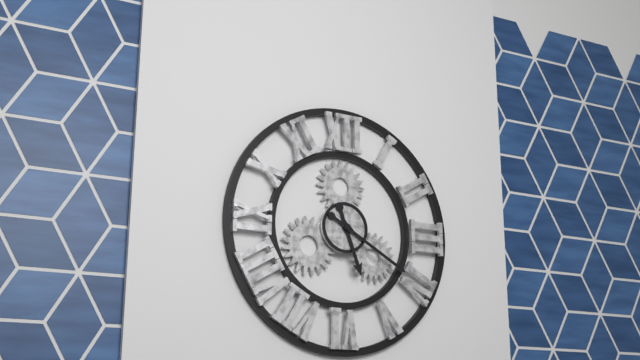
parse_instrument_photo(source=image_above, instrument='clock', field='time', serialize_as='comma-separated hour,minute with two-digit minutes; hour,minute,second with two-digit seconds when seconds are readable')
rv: 5,20
